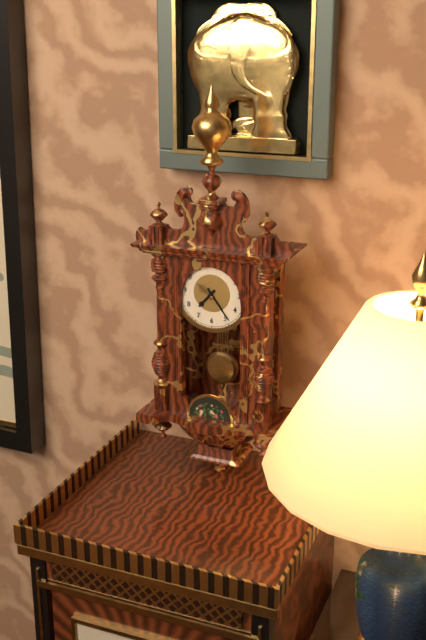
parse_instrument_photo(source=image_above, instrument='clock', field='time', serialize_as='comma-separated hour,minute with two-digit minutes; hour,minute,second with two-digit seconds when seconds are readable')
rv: 7,24
